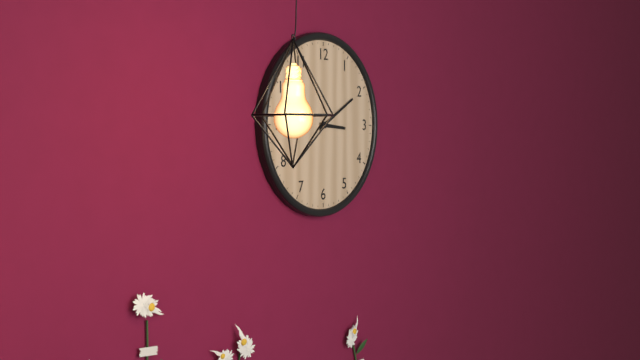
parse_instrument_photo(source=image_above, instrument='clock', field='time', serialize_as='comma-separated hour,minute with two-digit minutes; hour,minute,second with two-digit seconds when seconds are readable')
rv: 3,10
